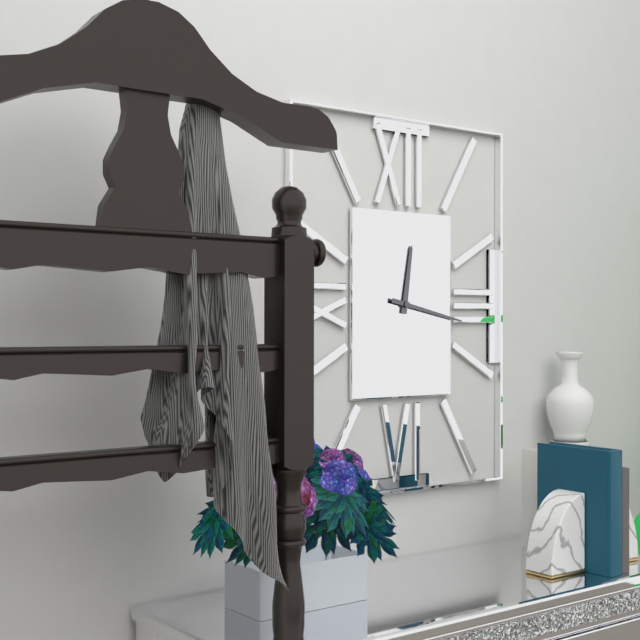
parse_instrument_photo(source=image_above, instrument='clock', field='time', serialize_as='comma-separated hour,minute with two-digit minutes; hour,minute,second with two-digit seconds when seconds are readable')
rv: 12,17
